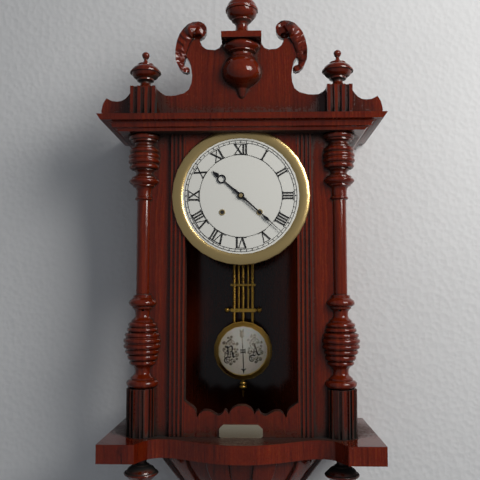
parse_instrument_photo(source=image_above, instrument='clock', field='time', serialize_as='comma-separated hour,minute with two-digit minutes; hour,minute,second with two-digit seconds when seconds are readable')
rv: 10,22
